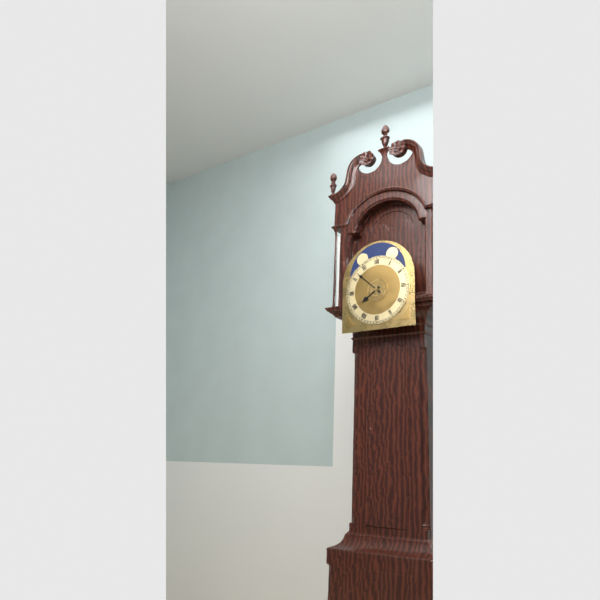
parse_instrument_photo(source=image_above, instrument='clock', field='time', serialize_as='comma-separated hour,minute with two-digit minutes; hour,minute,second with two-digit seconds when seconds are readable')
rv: 7,52
